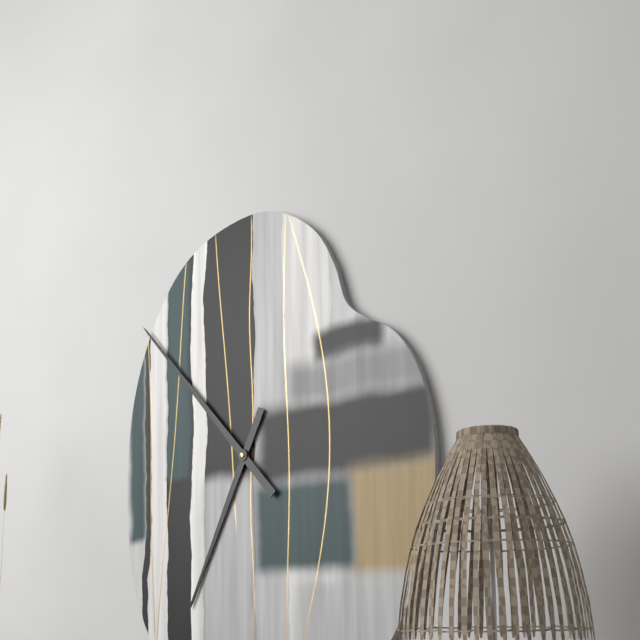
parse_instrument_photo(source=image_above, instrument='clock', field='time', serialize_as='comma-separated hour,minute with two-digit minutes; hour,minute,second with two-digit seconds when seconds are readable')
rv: 6,53
